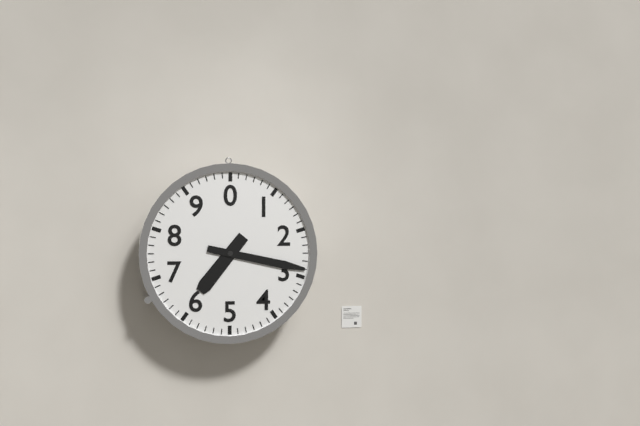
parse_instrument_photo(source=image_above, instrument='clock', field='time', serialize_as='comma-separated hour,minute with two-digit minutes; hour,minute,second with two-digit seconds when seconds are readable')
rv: 7,17
